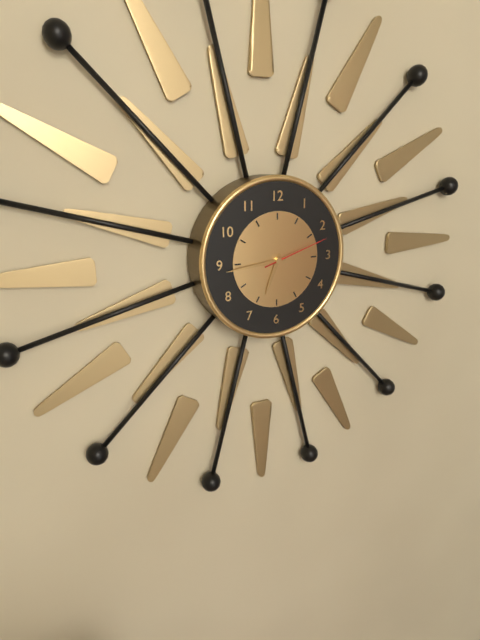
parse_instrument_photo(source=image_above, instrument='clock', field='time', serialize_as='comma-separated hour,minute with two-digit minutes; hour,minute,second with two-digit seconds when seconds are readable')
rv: 6,44,12
